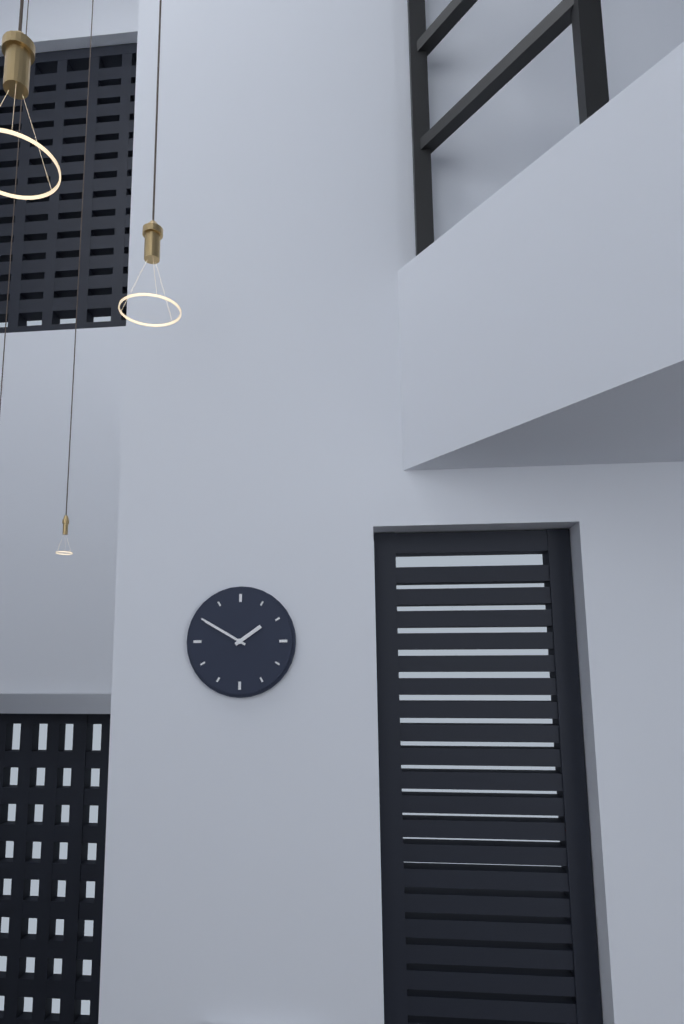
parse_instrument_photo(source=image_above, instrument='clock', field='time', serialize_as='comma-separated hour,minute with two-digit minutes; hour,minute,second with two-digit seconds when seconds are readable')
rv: 1,50
